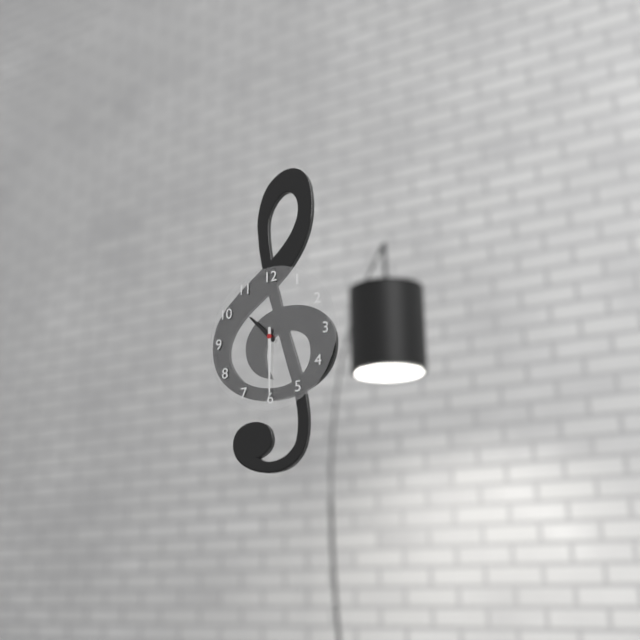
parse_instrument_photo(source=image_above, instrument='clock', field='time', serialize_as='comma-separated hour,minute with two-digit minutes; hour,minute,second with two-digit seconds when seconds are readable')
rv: 10,30
